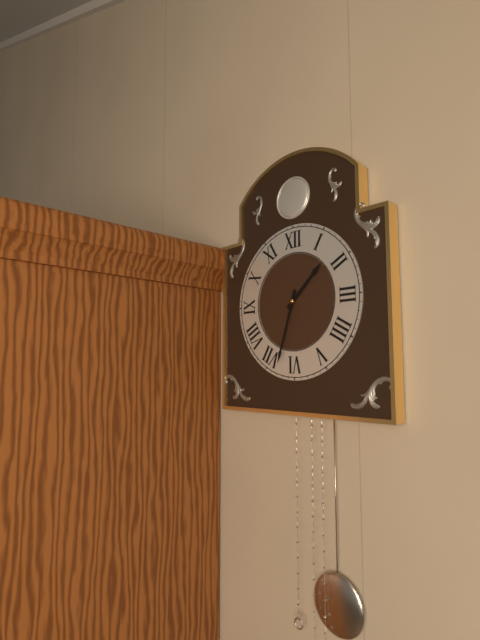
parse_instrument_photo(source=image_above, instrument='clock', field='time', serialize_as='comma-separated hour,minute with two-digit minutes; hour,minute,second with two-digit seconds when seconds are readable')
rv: 1,33
